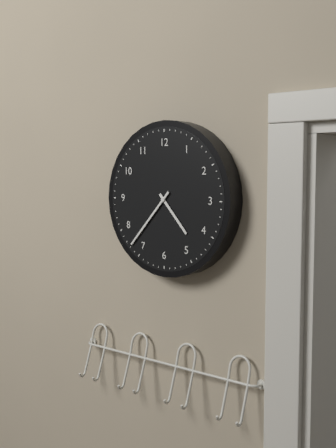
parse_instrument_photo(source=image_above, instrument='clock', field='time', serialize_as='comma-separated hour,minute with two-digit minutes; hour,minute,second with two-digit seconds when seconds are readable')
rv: 4,37
